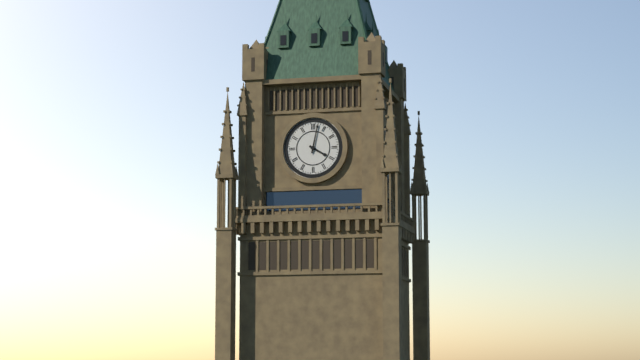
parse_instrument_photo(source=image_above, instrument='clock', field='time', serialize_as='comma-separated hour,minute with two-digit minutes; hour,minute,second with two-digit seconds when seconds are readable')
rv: 4,02
